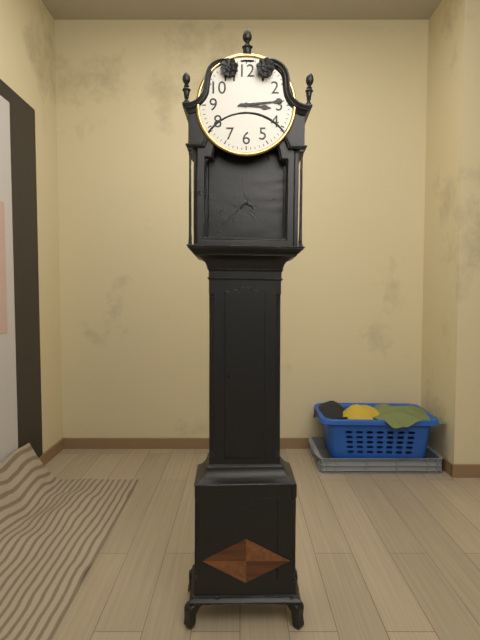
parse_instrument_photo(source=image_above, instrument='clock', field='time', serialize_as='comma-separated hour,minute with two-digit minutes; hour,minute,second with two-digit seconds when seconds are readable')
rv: 3,14
